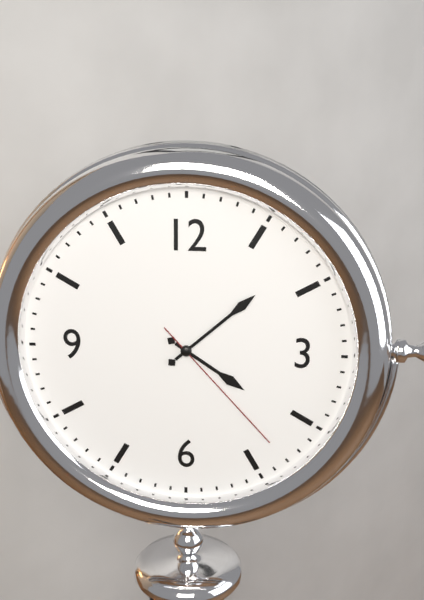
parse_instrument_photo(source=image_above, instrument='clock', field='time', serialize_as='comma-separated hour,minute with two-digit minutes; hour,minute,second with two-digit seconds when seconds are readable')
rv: 4,08,23
